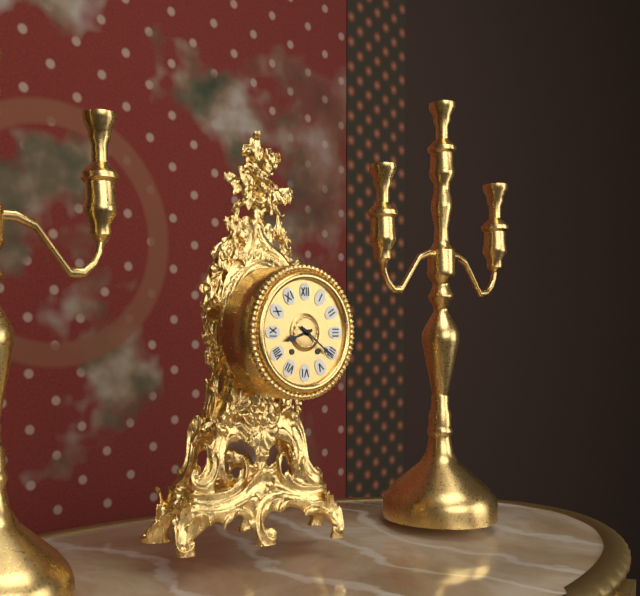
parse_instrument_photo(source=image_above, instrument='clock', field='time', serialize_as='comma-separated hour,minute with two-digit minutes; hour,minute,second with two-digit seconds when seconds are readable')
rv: 8,21
